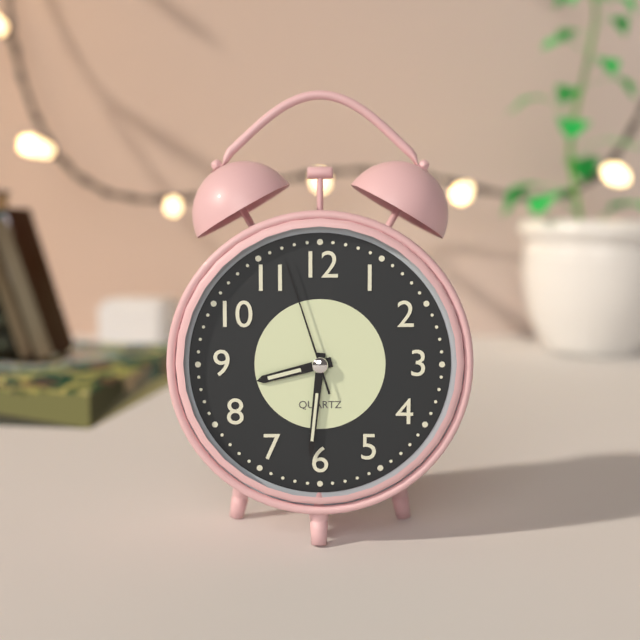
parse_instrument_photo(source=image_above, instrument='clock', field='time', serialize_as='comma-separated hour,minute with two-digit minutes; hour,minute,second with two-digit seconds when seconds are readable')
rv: 8,31,57
